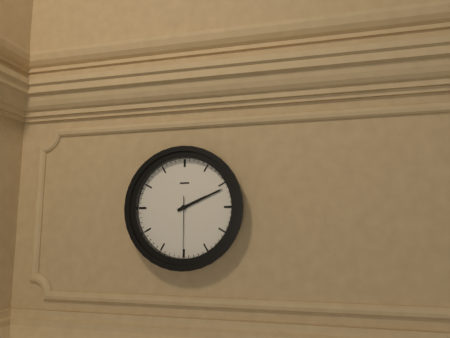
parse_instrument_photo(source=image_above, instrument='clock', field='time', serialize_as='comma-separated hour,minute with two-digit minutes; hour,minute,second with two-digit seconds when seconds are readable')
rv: 2,11,30
